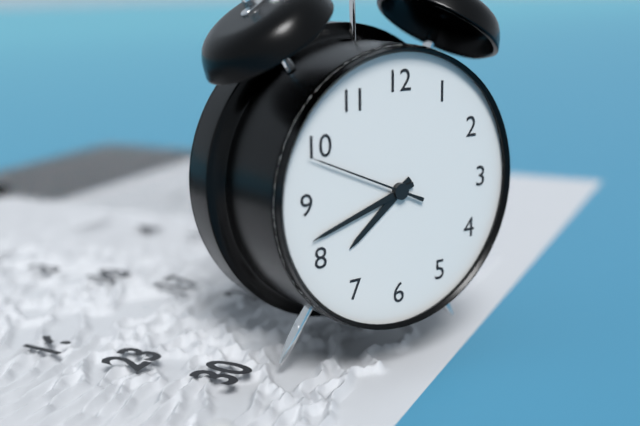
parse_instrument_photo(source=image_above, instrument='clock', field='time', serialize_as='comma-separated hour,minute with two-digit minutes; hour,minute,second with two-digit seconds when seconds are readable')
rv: 7,42,49
